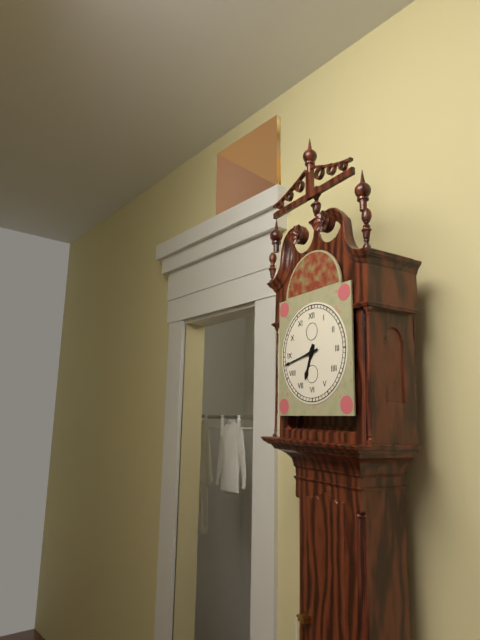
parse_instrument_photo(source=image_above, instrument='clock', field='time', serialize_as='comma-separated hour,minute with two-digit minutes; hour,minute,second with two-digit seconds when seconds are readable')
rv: 6,43
